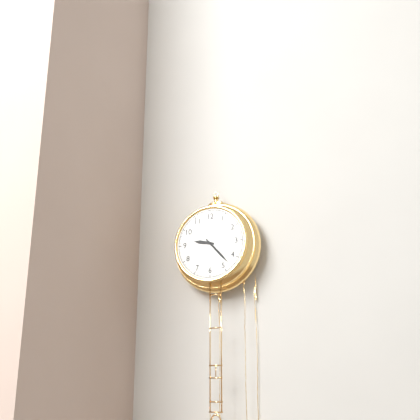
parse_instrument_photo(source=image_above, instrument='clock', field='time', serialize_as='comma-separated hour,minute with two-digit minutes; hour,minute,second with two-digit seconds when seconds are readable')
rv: 9,23
